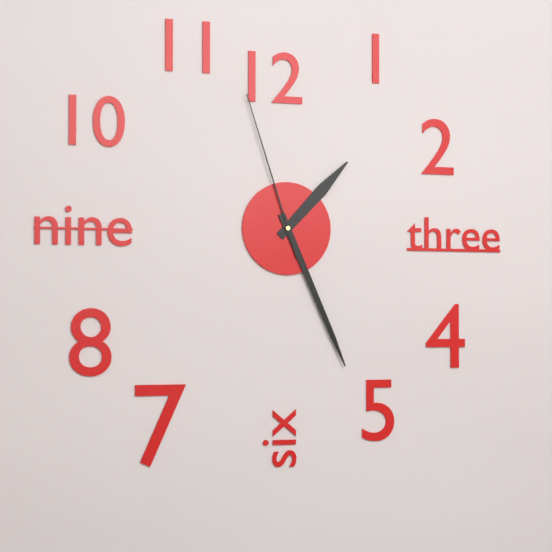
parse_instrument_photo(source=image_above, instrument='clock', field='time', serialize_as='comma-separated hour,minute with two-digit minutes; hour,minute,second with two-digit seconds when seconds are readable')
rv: 1,26,57
